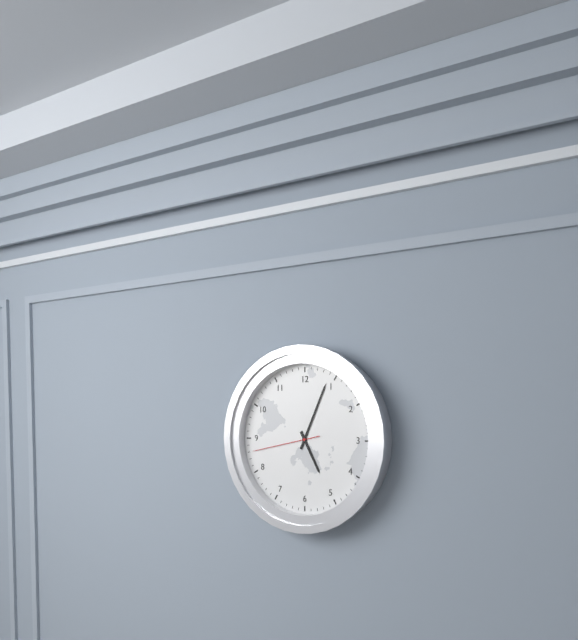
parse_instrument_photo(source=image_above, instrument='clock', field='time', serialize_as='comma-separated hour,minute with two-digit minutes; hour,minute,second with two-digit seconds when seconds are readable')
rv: 5,04,43
